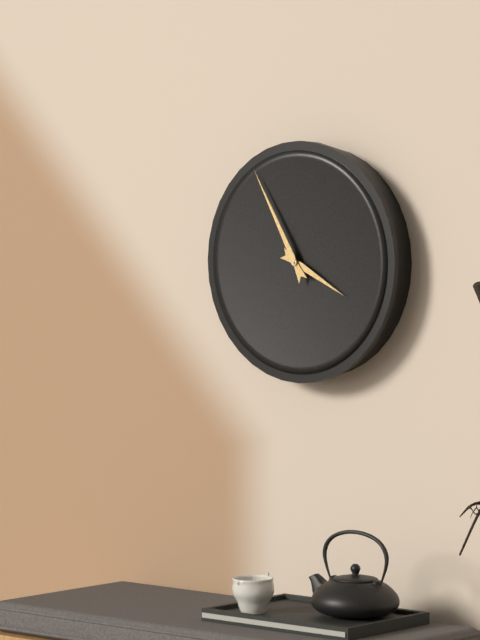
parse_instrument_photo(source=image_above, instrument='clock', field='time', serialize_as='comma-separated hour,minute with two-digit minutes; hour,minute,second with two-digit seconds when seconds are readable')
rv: 3,55
